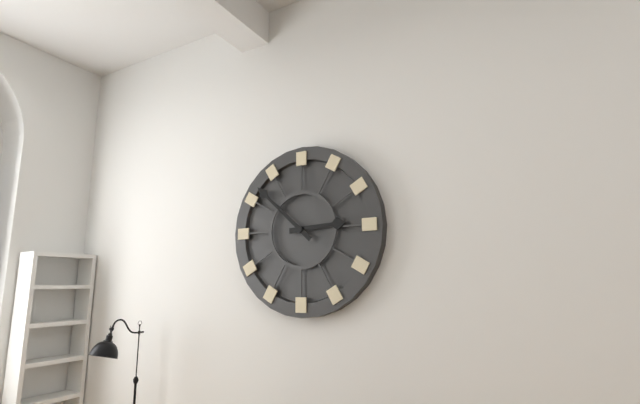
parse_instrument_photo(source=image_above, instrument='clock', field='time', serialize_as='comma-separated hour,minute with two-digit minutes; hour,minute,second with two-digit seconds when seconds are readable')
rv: 2,52
